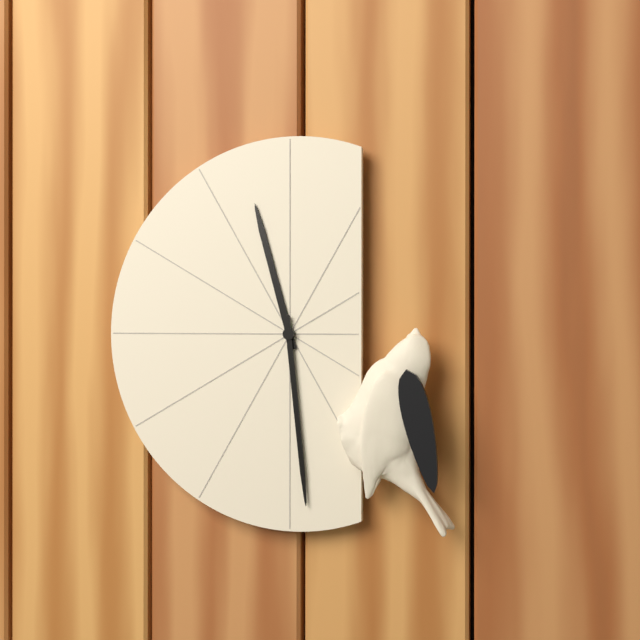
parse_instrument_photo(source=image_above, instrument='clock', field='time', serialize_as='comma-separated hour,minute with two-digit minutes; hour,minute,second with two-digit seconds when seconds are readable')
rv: 11,29
